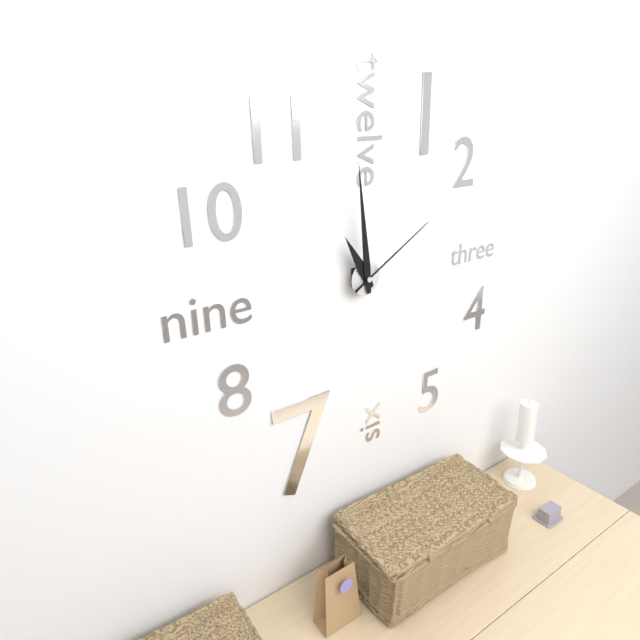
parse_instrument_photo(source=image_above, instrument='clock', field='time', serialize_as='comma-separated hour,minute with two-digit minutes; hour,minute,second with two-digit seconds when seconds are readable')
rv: 10,59,10
